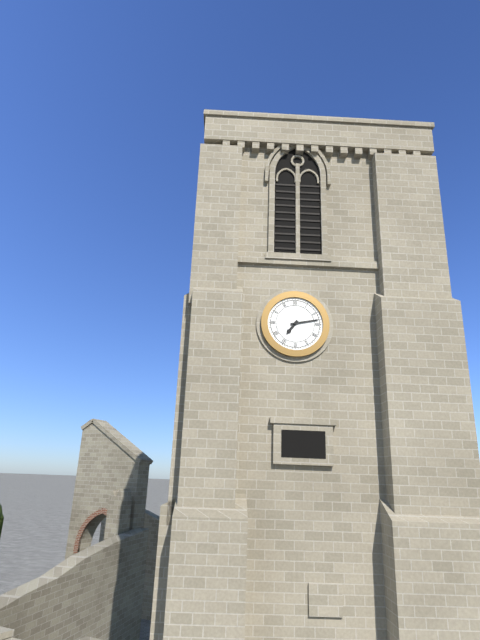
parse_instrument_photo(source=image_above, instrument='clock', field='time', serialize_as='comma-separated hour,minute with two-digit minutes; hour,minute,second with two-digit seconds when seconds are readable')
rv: 7,13
